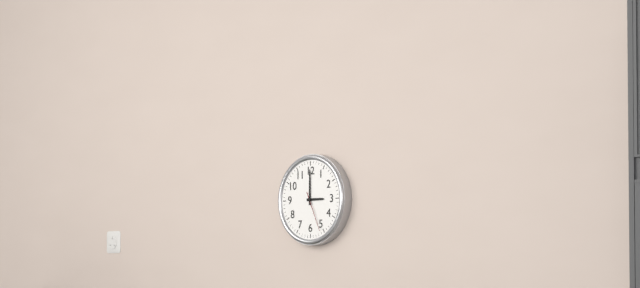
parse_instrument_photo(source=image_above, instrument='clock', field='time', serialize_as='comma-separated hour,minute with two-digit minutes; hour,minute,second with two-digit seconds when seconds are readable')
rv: 3,00
